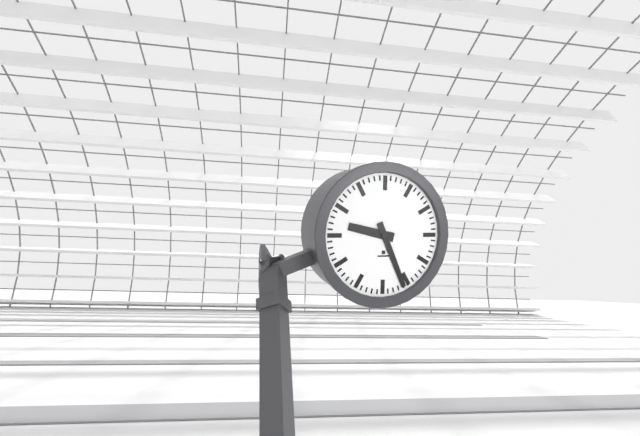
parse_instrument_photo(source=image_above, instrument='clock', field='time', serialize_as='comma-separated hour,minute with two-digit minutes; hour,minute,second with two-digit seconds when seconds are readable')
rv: 9,26
